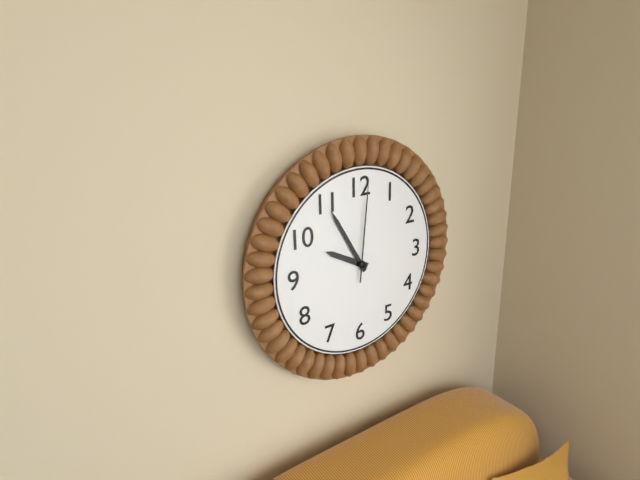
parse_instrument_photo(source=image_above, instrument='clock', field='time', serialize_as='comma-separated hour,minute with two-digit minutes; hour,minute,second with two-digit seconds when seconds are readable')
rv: 9,55,01
